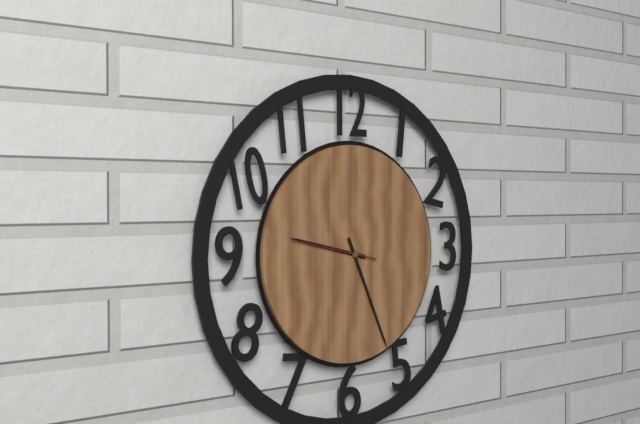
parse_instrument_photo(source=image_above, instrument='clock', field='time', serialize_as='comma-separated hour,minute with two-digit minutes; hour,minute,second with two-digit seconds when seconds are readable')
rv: 9,26,47
